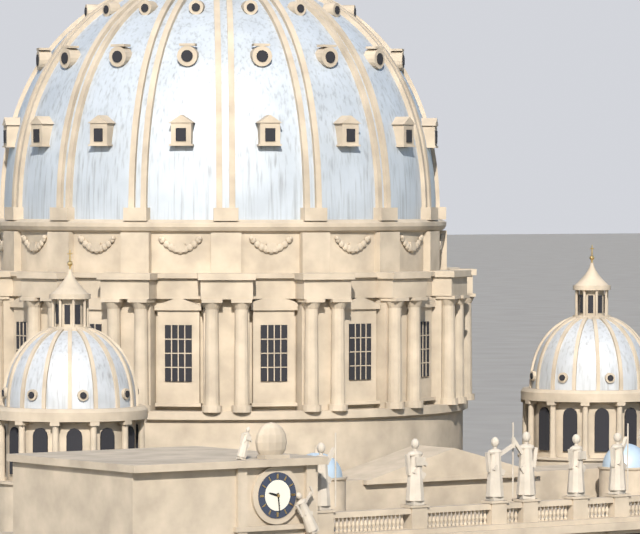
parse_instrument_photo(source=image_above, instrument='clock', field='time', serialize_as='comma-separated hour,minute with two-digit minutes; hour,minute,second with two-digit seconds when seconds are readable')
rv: 9,29
